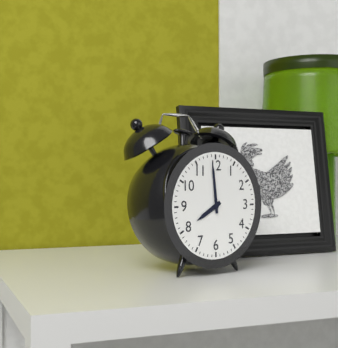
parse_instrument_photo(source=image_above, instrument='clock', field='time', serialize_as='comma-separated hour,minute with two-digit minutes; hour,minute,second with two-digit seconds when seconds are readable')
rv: 7,59
